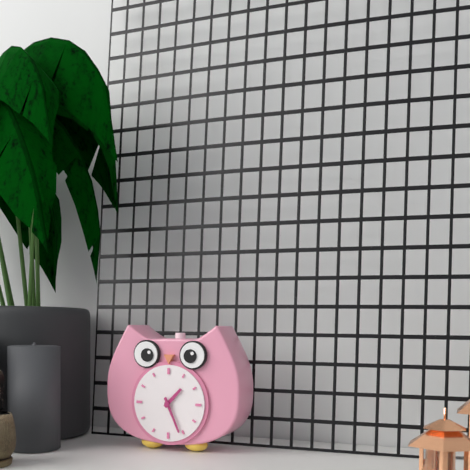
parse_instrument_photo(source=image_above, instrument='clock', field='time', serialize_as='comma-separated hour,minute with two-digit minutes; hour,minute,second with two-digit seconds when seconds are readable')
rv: 1,26
